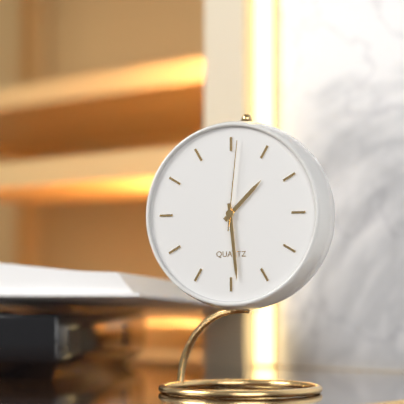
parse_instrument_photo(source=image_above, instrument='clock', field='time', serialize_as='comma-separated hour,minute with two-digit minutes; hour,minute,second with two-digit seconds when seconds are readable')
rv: 1,29,01
